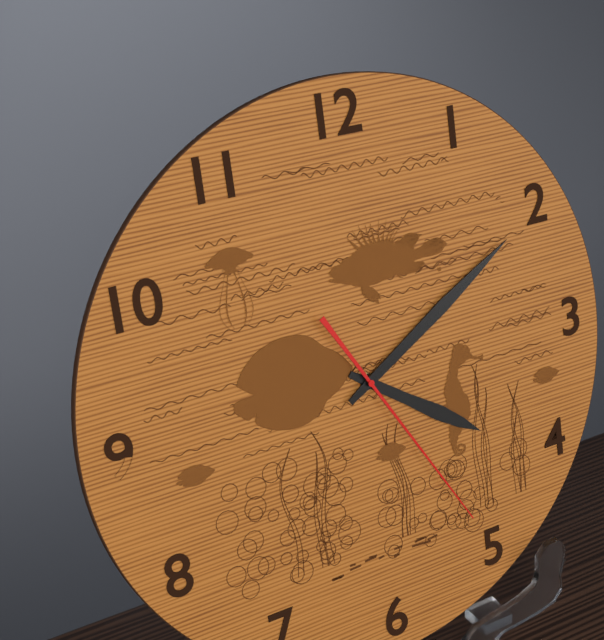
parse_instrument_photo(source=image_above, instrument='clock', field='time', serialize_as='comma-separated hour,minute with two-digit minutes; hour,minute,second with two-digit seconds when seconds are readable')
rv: 4,10,25
